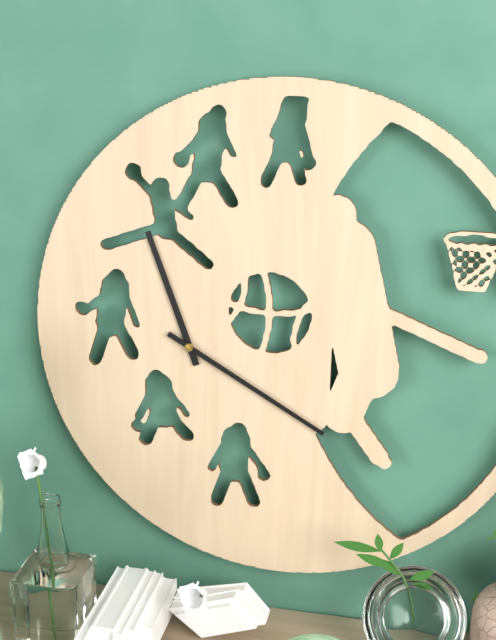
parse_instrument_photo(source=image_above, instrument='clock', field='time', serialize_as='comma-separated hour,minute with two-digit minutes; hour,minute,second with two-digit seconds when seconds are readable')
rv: 11,20
